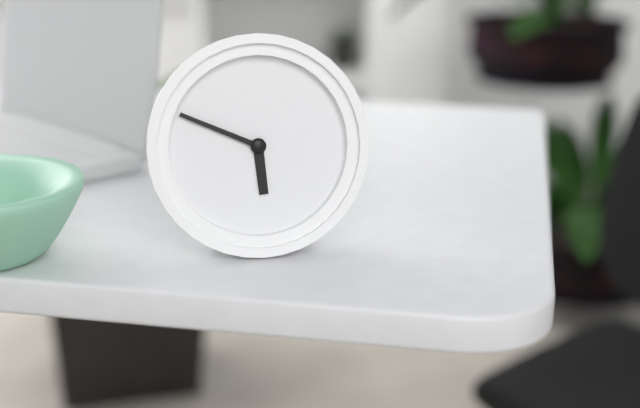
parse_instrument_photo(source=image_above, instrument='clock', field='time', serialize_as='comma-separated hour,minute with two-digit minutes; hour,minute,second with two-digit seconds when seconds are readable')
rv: 5,49
